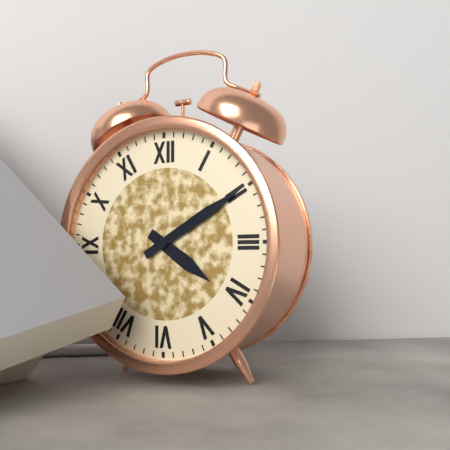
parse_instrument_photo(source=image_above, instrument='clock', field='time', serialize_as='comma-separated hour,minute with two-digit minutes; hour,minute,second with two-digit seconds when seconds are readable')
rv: 4,10
